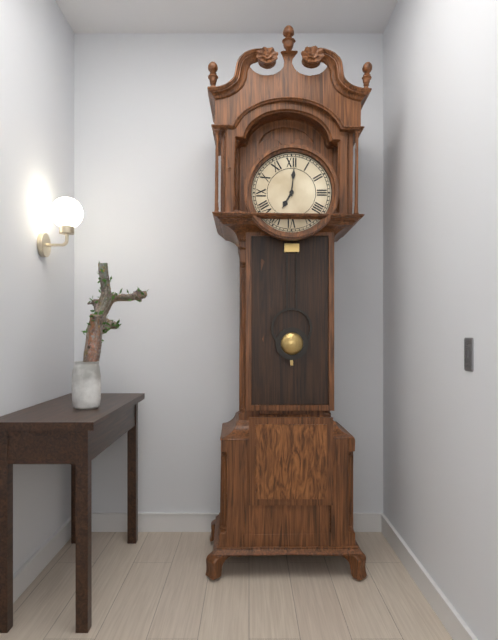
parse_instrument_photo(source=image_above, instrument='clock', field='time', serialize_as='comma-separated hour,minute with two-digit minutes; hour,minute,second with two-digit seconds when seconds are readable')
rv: 7,01
